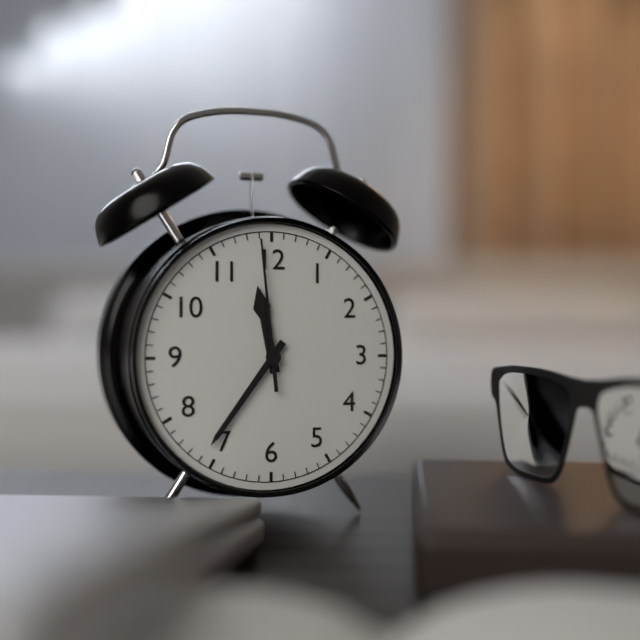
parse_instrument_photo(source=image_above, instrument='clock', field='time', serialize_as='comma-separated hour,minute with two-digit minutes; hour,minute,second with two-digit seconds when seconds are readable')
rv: 11,36,59
